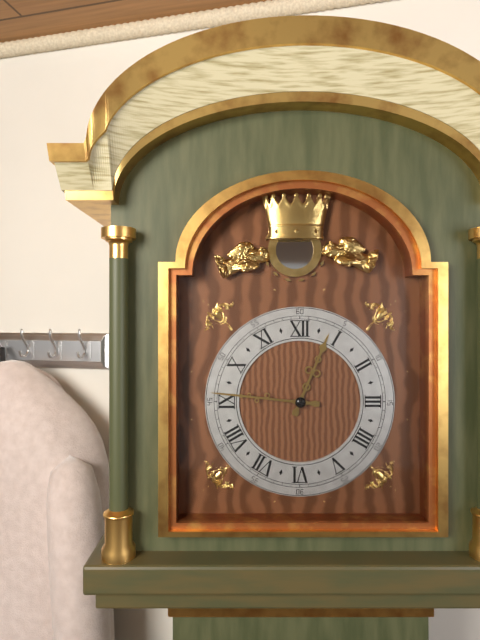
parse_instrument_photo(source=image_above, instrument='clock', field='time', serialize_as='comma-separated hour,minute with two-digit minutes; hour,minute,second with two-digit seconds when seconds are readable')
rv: 12,46
